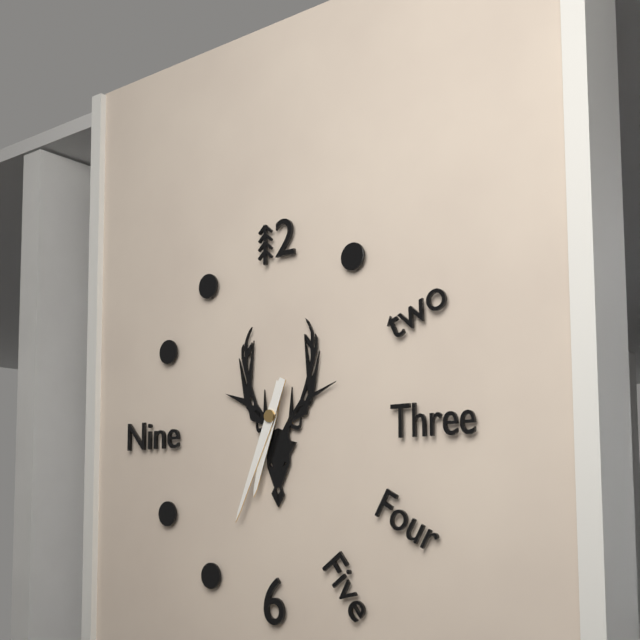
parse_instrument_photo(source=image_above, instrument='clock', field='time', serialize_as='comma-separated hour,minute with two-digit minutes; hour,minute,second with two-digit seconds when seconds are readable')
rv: 6,34
